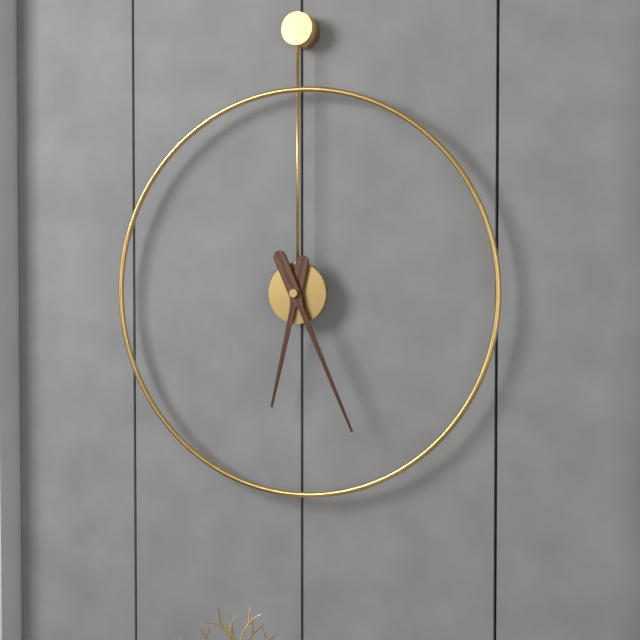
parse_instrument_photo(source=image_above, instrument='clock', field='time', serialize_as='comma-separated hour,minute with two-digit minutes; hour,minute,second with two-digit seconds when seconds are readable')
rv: 6,26
